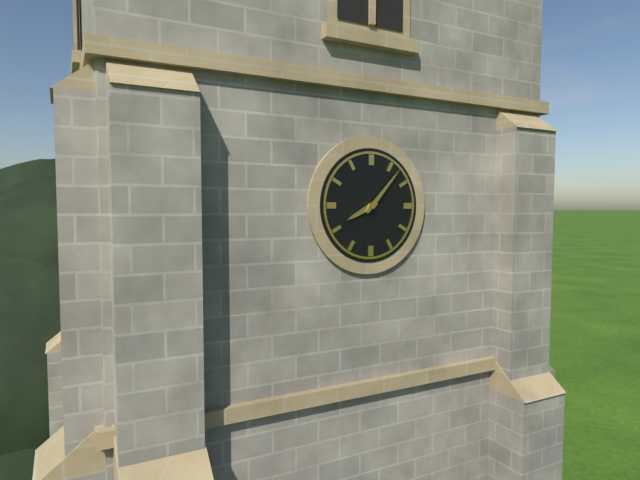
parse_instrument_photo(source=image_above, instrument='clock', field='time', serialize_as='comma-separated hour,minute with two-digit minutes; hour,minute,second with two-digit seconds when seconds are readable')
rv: 8,07
